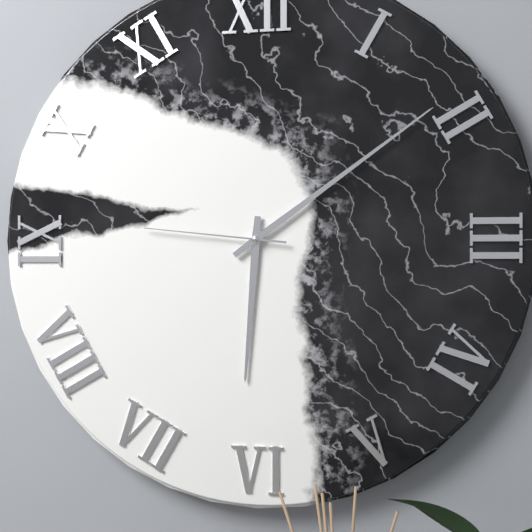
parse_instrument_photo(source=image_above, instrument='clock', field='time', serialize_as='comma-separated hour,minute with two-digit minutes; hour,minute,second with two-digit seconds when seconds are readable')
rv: 6,09,46
